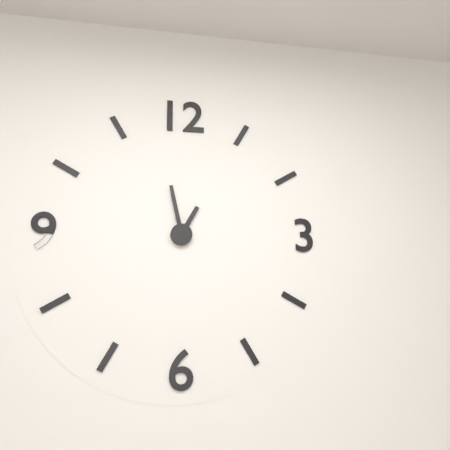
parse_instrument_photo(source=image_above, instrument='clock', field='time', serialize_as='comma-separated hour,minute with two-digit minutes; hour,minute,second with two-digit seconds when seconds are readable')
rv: 12,58
